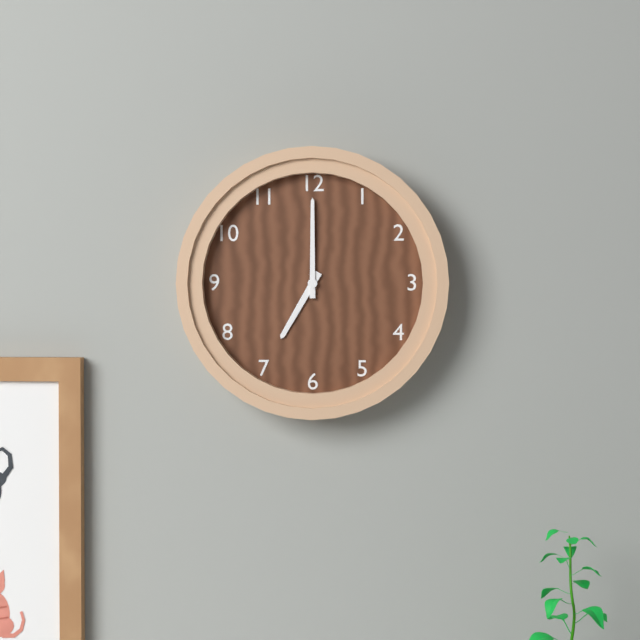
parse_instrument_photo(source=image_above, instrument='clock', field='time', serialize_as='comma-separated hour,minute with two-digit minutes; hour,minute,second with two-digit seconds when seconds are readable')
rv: 7,00
